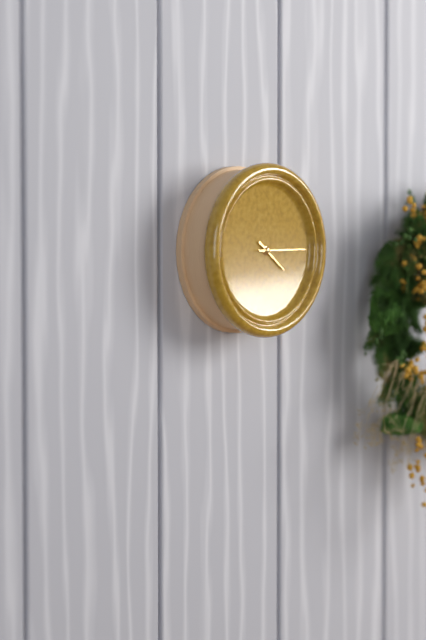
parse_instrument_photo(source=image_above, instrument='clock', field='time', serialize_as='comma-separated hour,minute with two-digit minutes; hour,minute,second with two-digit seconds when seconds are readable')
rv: 4,15
